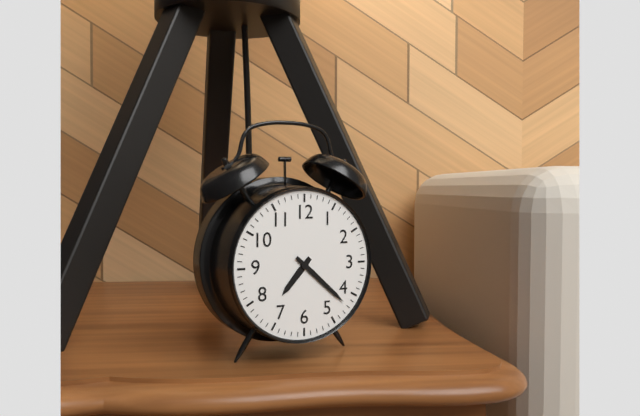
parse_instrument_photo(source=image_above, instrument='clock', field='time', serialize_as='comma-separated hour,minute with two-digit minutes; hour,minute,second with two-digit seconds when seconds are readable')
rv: 7,22
